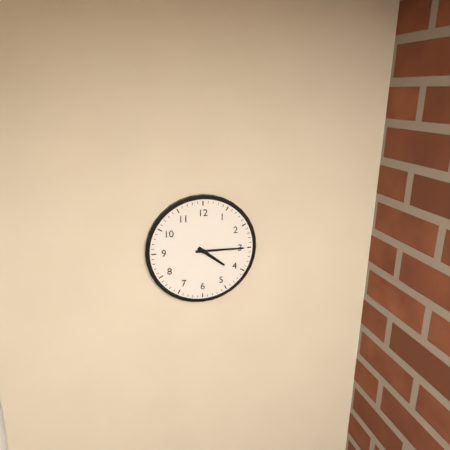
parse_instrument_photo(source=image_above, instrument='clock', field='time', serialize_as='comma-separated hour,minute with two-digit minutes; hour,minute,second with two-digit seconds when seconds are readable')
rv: 4,15
